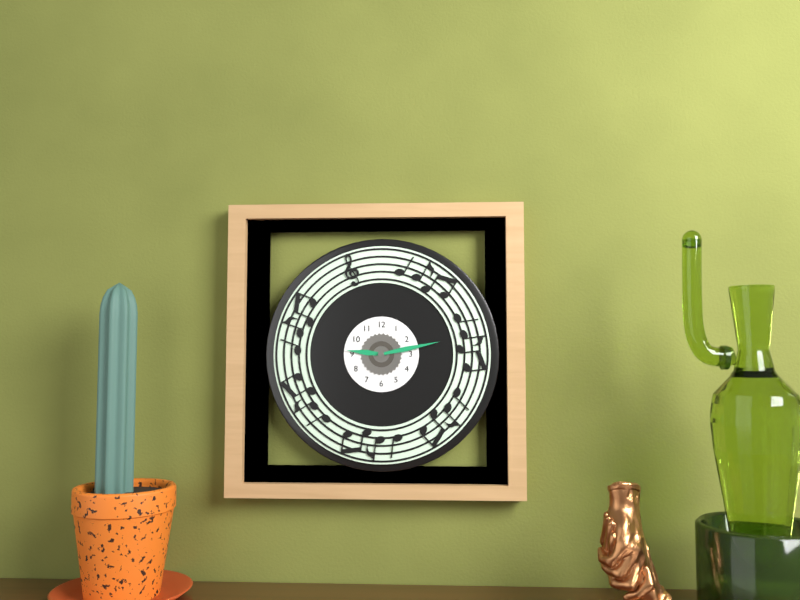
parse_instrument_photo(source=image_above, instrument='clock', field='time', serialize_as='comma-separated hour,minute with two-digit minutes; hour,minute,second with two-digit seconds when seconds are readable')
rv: 9,13
